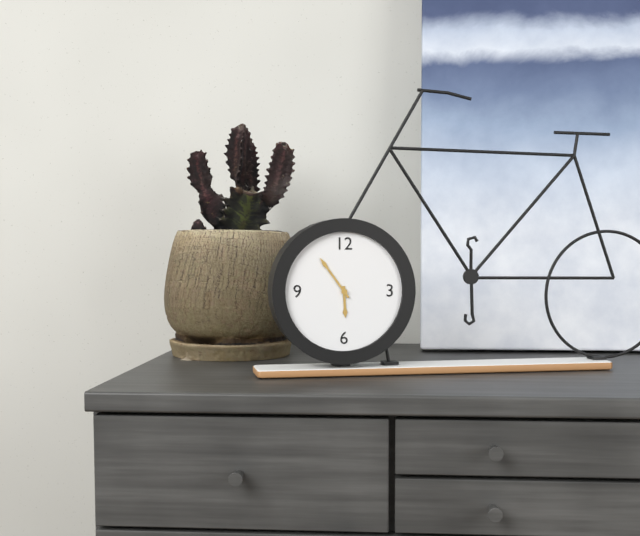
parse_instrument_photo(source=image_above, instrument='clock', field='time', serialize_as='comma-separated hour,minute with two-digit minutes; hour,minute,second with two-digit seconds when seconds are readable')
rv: 5,54
